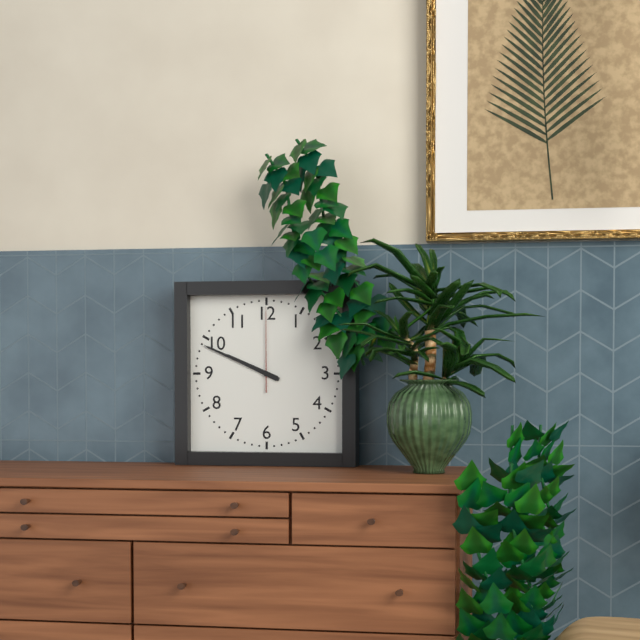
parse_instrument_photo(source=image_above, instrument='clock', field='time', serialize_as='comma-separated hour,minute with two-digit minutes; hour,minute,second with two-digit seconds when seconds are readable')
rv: 9,49,00
